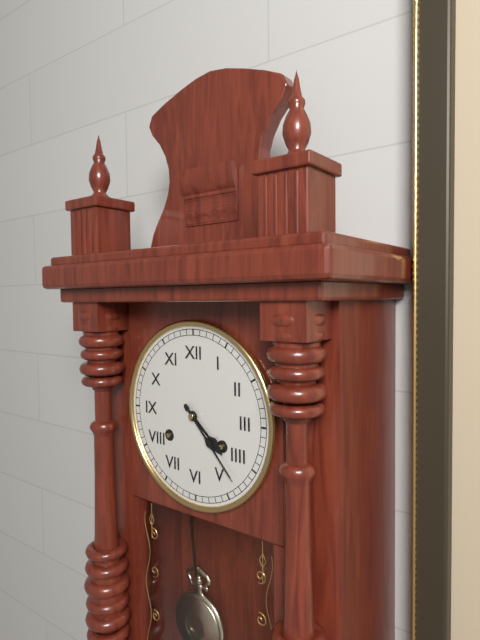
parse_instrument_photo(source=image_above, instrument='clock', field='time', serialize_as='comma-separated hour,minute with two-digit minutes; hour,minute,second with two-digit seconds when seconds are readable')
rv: 4,23
